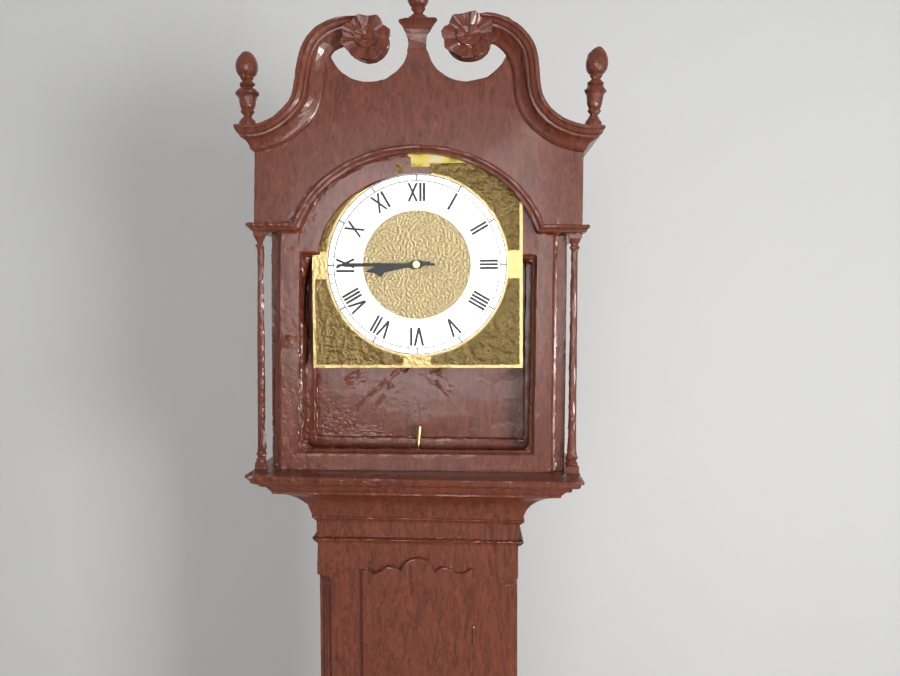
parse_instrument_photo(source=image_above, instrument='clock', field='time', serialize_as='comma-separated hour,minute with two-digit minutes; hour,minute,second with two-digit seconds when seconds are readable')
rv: 8,45
